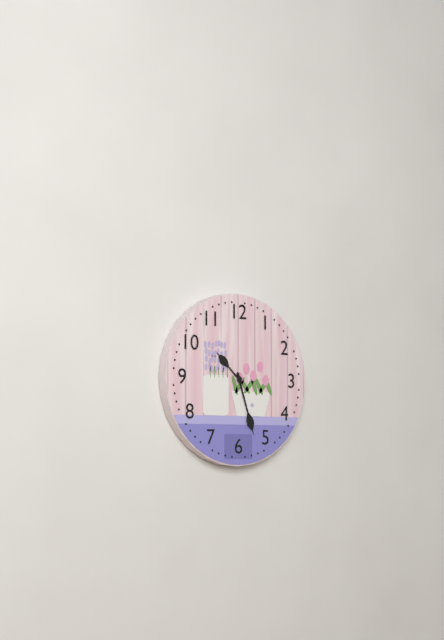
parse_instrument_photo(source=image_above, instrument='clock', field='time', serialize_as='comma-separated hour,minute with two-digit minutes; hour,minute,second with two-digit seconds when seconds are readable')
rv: 10,27
